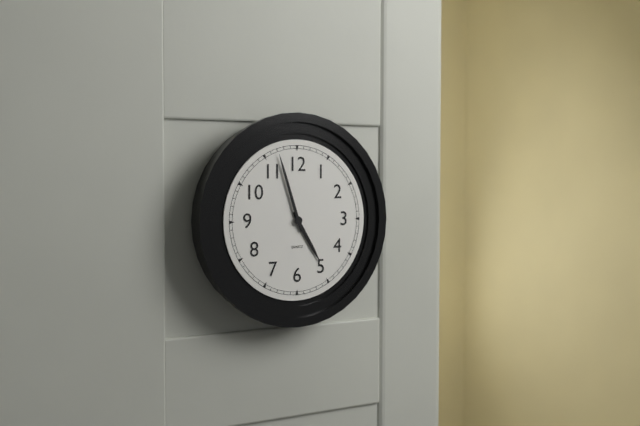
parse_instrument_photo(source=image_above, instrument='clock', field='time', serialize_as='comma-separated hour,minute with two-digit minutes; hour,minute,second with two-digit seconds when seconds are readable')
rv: 4,57
